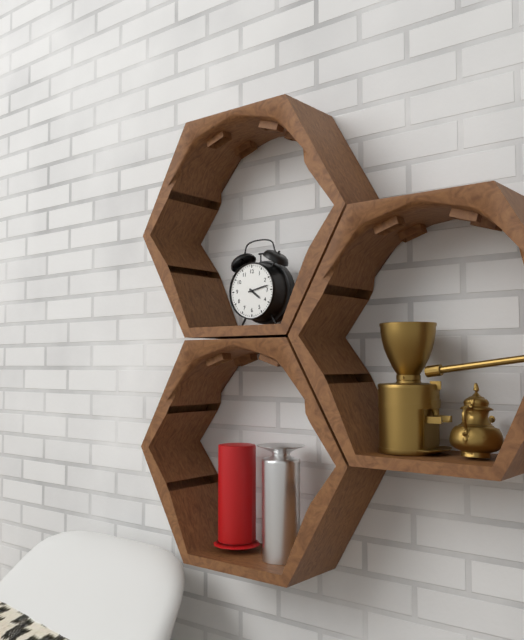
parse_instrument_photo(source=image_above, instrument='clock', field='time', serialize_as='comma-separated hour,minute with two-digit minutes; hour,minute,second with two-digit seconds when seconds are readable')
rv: 4,13
